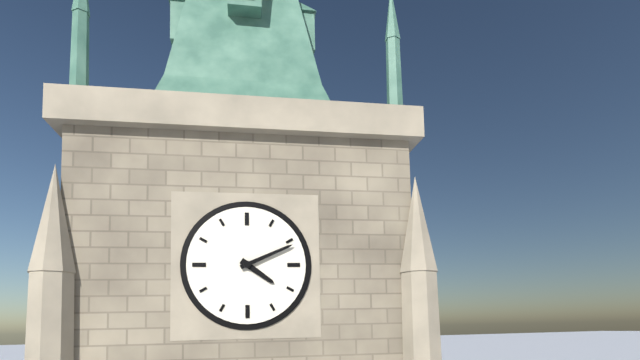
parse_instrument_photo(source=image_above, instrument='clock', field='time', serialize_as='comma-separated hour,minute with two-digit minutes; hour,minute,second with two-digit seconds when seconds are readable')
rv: 4,11
